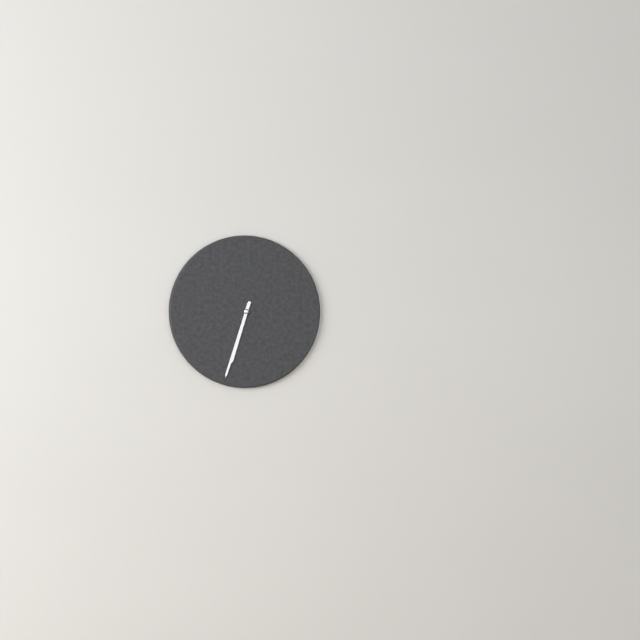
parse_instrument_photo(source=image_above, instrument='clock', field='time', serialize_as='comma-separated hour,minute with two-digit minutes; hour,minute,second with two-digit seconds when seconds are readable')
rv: 6,33
